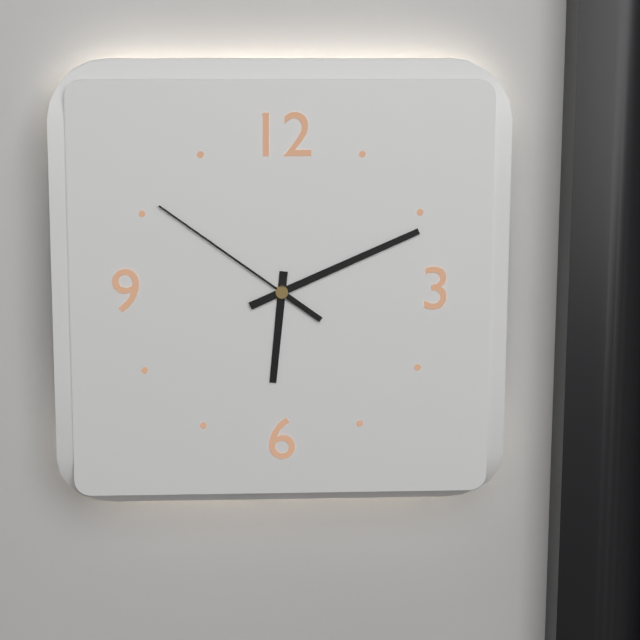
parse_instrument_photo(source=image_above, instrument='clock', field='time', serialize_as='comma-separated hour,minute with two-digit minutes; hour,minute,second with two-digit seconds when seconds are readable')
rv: 6,11,51
